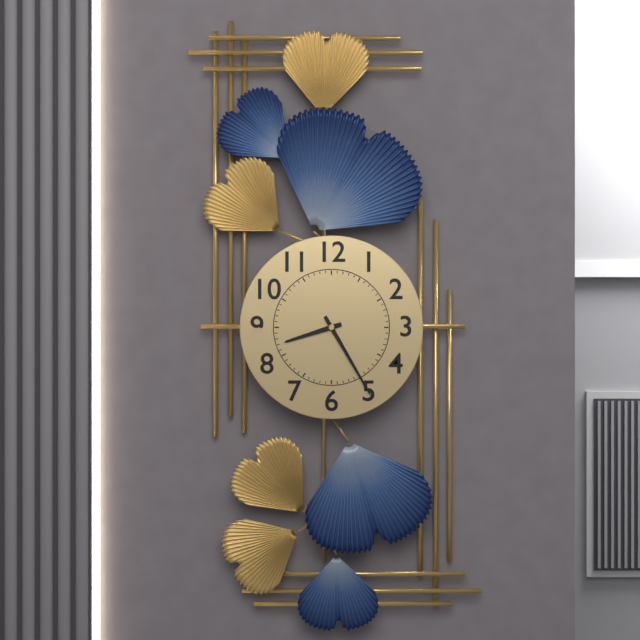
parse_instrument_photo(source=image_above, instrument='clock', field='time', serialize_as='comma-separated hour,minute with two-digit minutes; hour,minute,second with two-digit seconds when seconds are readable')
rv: 8,25
